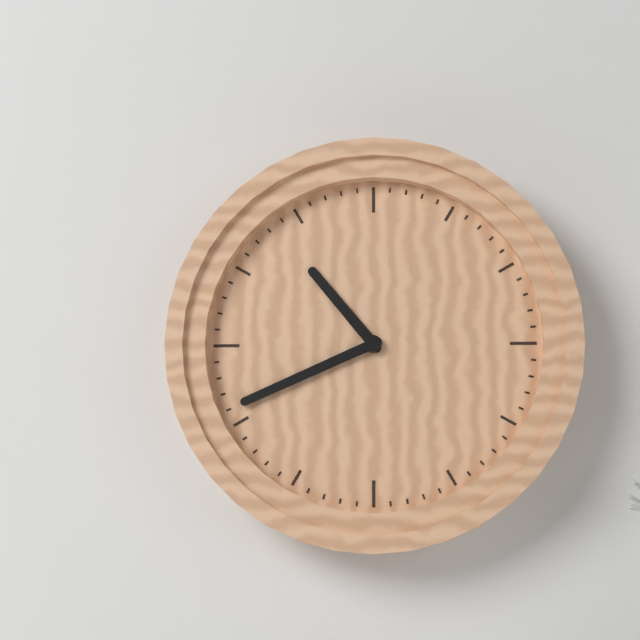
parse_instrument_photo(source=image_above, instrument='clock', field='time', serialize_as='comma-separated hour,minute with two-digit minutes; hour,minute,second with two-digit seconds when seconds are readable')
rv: 10,41
